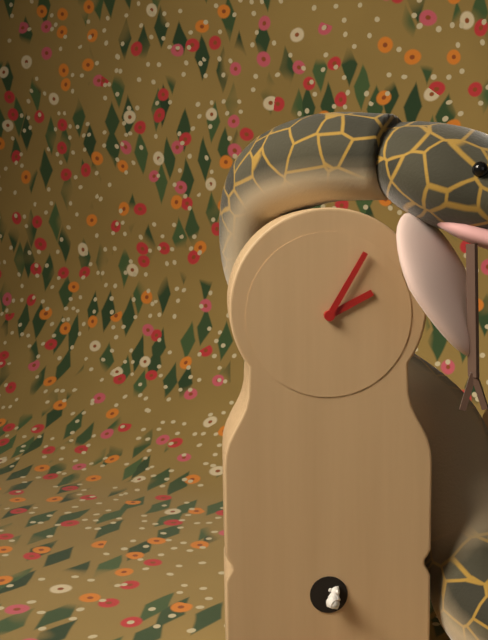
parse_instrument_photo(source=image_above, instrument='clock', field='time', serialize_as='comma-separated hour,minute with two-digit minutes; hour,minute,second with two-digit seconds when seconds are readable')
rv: 2,05
